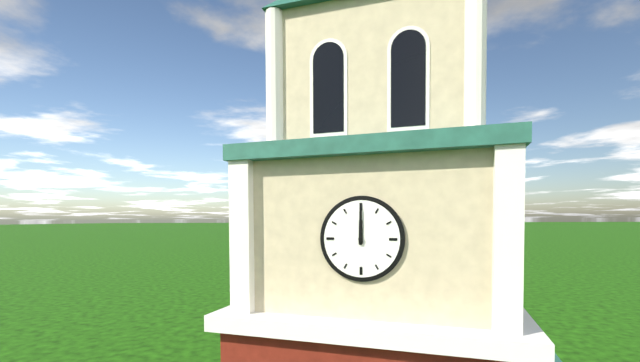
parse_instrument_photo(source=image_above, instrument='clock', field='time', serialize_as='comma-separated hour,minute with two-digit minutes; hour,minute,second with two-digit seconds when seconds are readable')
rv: 12,00
